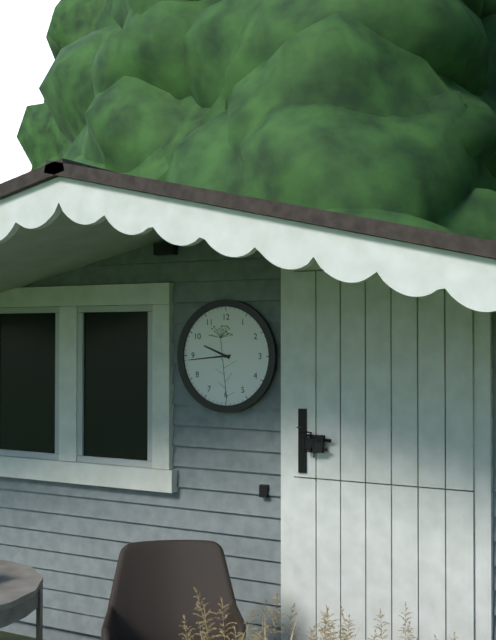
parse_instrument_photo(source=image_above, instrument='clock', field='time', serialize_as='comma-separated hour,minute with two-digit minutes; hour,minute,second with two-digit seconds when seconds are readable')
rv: 9,44
